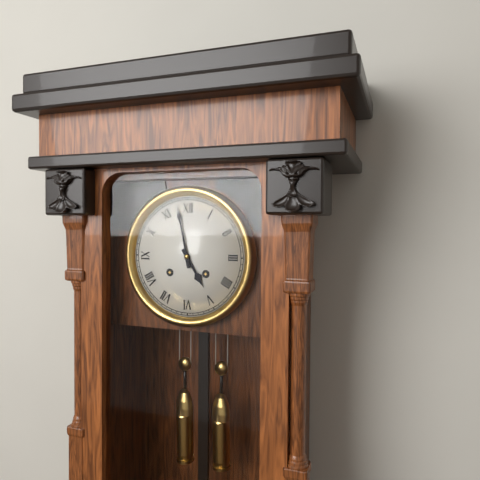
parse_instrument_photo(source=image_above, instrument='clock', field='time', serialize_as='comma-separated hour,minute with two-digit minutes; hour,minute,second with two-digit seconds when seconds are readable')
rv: 4,58
